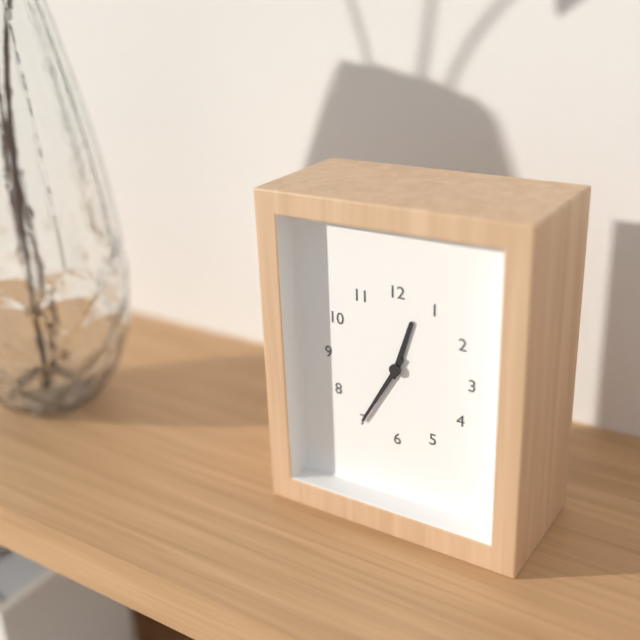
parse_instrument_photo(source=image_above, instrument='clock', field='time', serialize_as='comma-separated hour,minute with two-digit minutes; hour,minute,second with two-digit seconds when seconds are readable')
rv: 12,35
